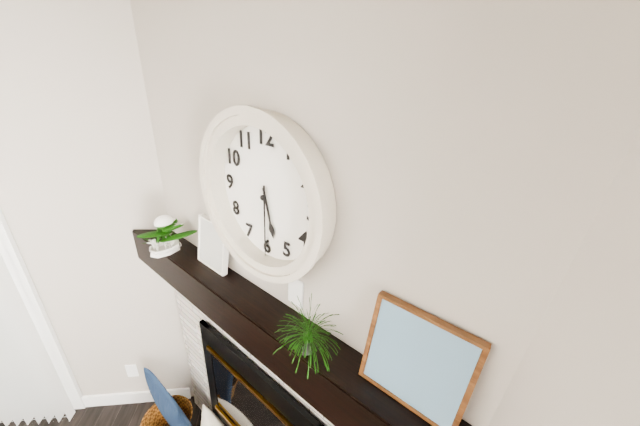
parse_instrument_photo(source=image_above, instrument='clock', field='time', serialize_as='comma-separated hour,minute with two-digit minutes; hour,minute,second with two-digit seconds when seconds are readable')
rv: 5,30
